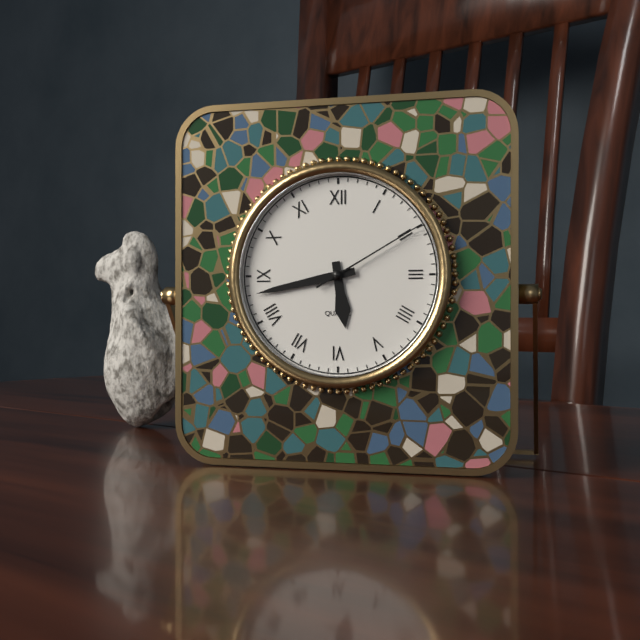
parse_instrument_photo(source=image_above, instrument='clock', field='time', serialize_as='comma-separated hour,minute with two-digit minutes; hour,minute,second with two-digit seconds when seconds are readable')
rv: 5,43,10
